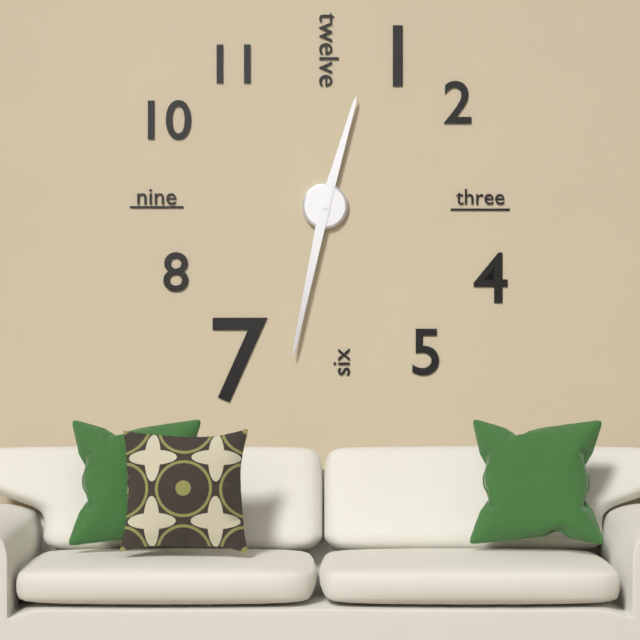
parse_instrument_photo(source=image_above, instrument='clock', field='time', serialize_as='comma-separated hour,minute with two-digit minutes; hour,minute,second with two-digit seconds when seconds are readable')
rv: 12,32
